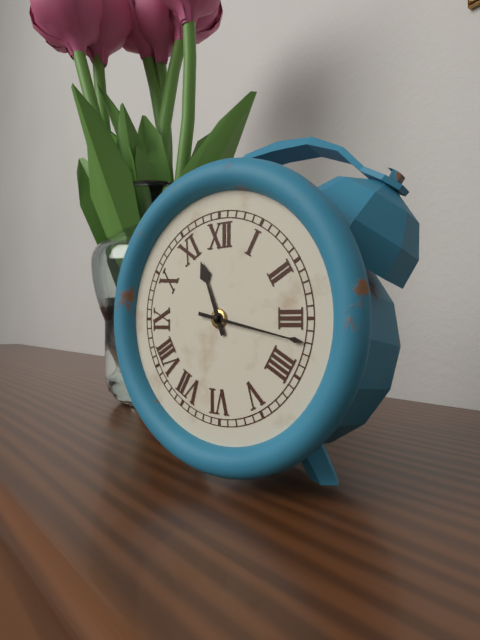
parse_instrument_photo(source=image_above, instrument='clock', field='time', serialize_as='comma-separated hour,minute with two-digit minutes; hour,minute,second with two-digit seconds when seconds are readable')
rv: 11,17
